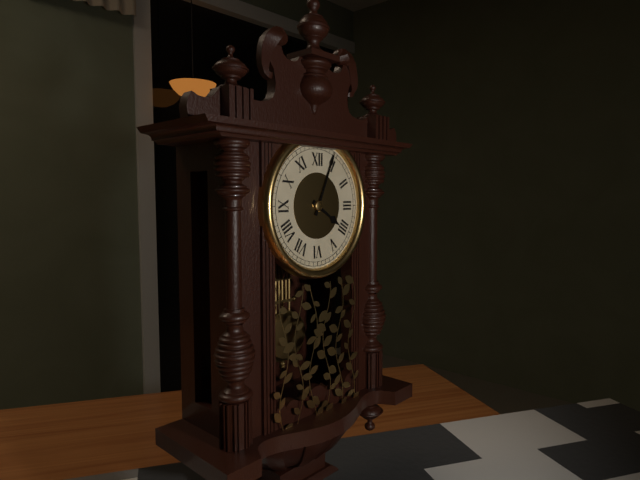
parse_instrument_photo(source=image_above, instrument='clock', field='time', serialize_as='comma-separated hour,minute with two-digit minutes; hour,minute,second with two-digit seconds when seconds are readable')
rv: 4,04
